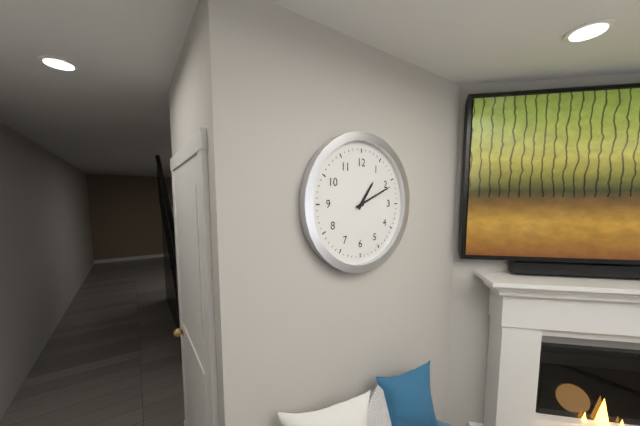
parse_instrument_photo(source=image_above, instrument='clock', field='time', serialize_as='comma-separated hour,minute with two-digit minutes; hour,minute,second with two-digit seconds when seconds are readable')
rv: 1,11
